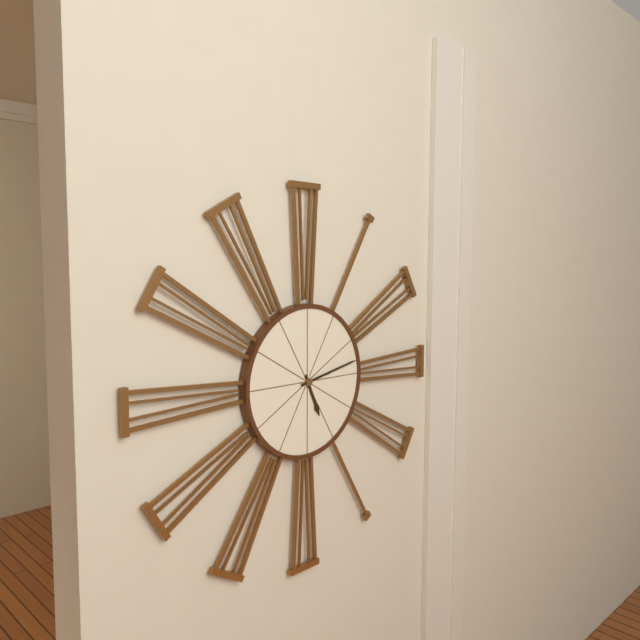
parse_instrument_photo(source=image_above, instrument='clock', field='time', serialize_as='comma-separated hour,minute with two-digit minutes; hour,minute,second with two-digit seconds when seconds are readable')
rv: 5,13
